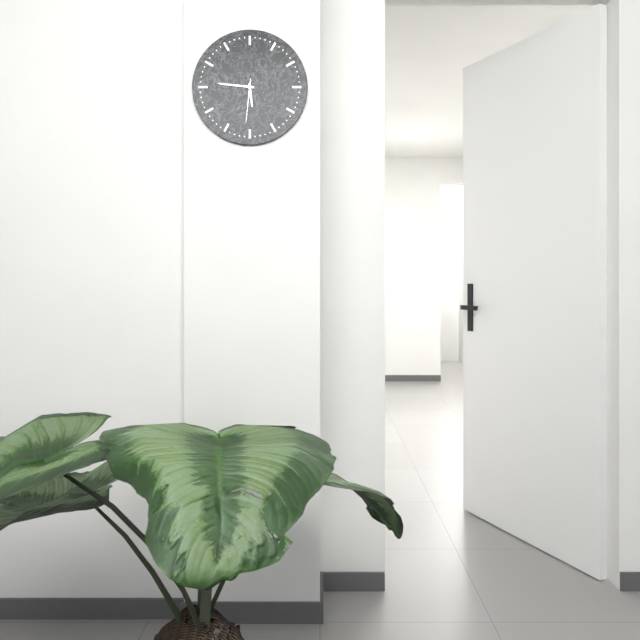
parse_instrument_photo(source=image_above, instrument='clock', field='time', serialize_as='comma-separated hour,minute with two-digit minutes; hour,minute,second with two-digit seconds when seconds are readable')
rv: 5,46
